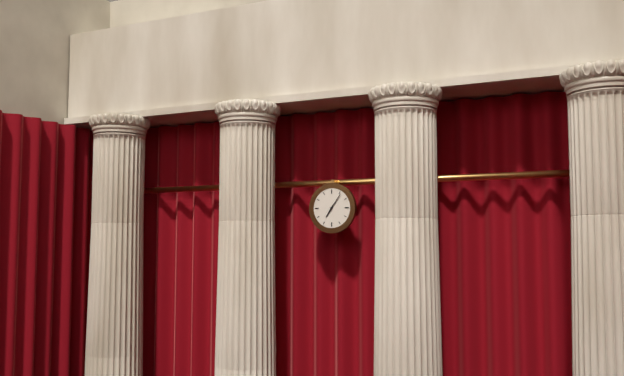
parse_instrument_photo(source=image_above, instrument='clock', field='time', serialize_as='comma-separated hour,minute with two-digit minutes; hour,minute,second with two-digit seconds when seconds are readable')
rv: 7,06
